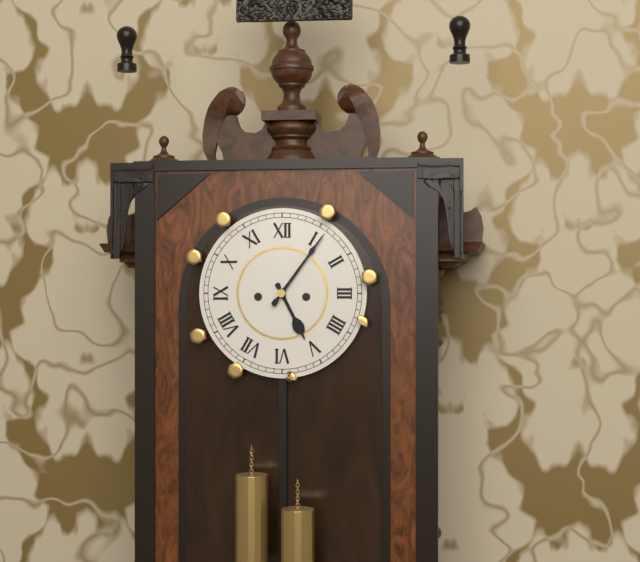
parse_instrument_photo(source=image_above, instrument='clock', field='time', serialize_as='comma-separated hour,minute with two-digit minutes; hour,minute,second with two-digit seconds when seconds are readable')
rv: 5,06
